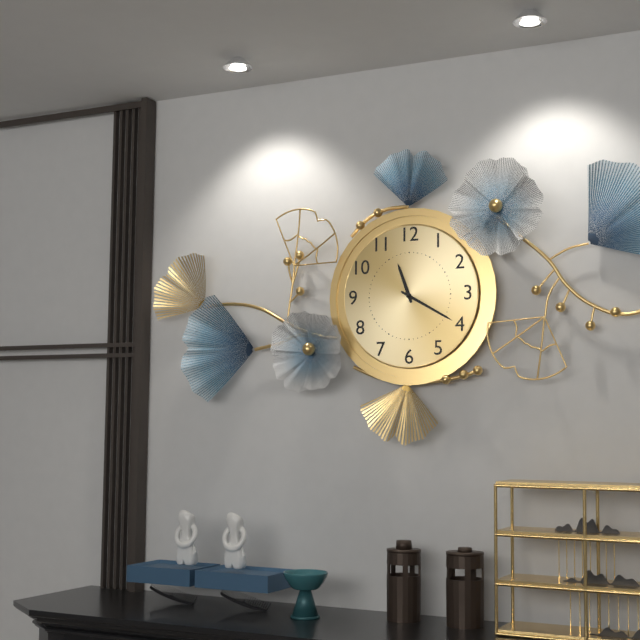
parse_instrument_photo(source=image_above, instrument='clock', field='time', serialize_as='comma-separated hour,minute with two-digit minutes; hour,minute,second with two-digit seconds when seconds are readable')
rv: 11,20
